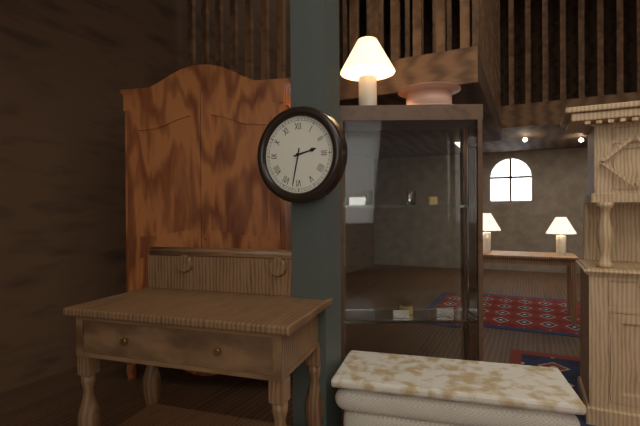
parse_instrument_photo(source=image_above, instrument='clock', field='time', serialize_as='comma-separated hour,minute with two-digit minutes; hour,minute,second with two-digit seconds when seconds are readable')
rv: 2,32
